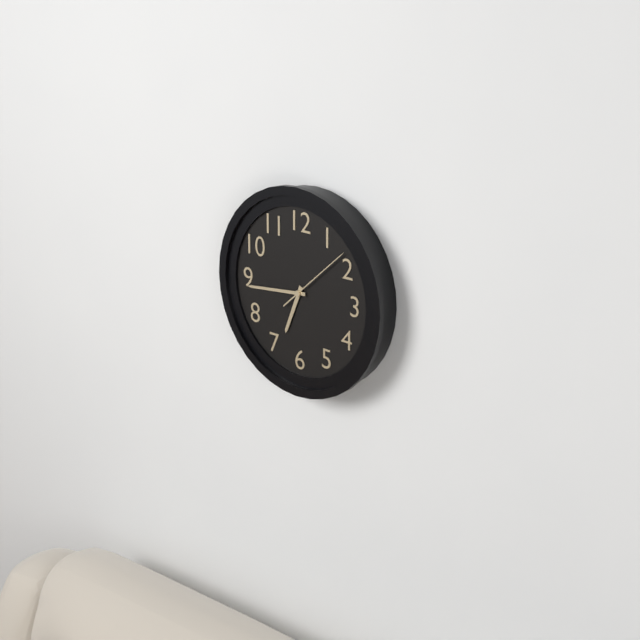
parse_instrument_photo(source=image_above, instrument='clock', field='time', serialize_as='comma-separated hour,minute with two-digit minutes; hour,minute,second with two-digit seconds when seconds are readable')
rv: 6,44,08
